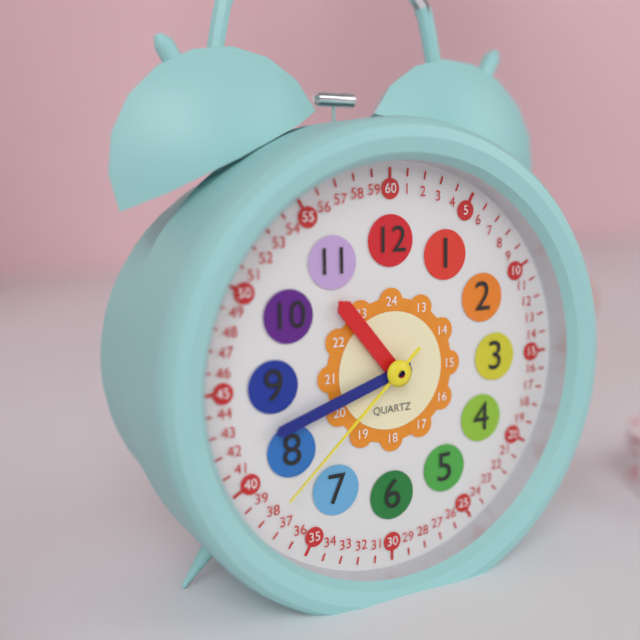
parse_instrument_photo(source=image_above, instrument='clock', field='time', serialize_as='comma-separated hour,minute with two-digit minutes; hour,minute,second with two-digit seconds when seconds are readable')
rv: 10,42,38
